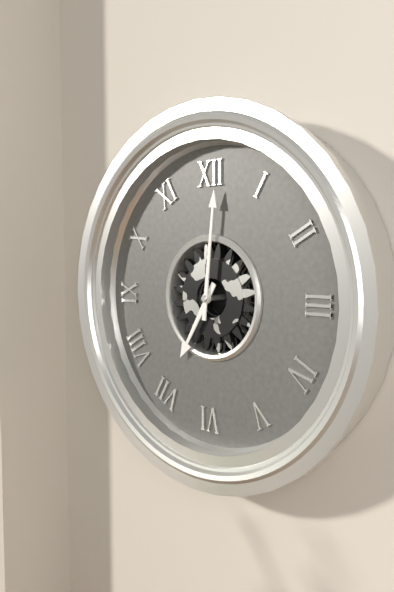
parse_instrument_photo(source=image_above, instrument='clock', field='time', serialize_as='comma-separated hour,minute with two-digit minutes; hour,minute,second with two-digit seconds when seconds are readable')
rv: 7,01
